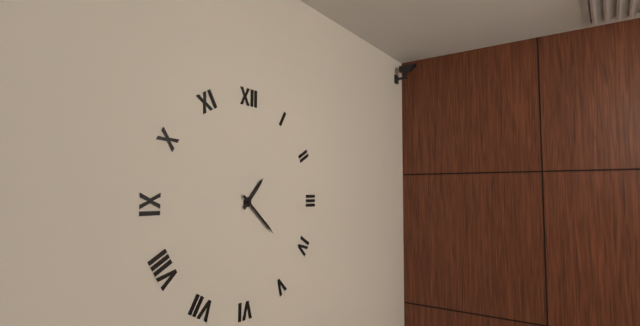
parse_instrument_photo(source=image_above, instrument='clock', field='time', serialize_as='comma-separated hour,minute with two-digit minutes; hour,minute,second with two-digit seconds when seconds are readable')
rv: 1,22
